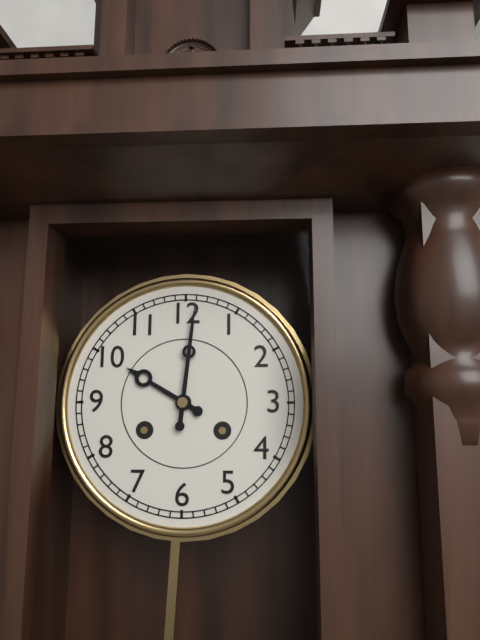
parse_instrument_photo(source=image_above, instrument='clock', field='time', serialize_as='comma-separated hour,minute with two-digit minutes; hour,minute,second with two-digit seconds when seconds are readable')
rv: 10,01
